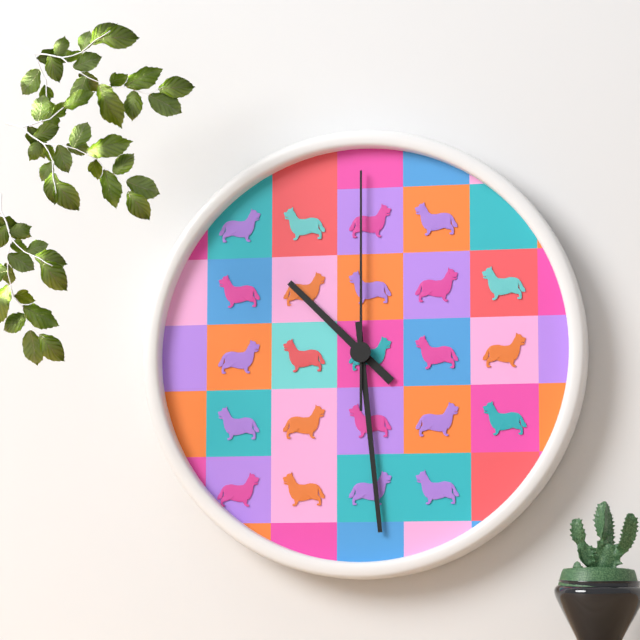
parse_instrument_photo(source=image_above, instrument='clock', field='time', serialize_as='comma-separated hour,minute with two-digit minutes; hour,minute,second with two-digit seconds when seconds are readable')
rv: 10,29,00
